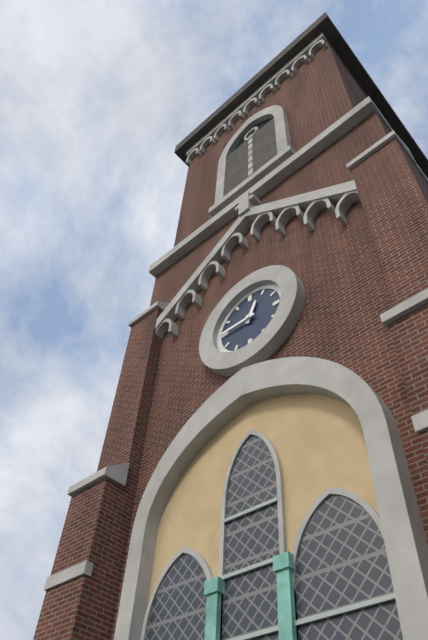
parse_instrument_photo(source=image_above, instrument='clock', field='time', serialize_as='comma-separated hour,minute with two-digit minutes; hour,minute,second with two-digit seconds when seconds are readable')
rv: 12,45
